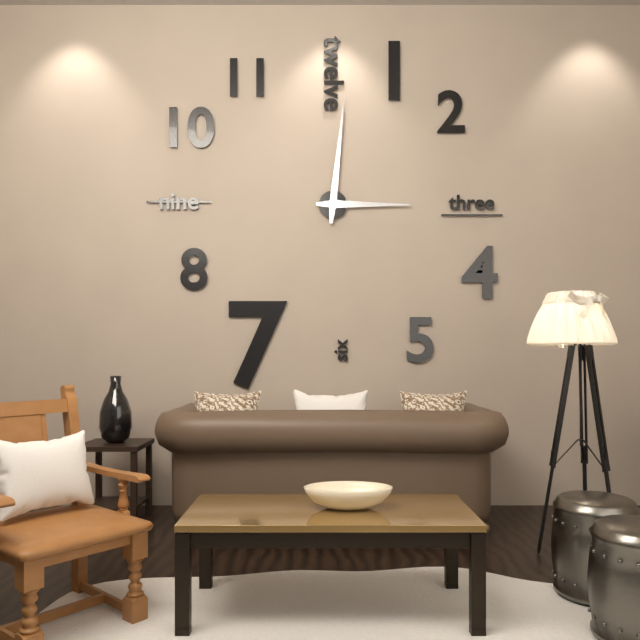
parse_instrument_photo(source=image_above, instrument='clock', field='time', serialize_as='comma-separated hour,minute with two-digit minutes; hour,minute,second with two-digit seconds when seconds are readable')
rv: 3,01
